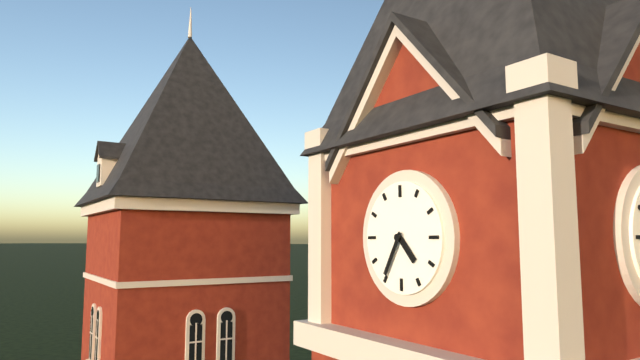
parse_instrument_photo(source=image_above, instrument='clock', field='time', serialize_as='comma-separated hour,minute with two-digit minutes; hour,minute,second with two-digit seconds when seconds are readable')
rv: 4,35
